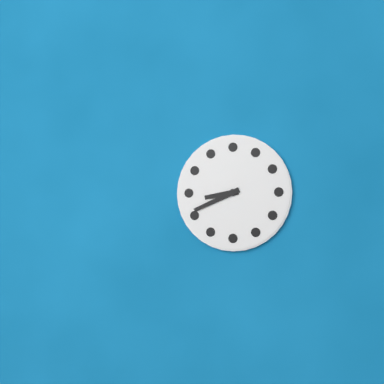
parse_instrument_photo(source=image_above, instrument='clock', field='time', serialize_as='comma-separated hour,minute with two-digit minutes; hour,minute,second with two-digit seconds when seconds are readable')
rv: 8,41
